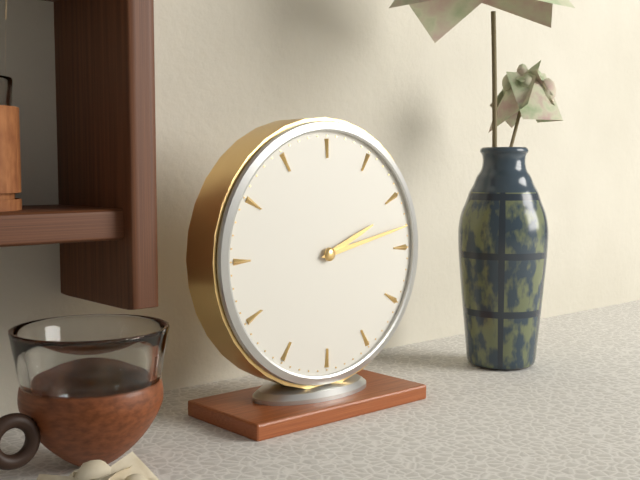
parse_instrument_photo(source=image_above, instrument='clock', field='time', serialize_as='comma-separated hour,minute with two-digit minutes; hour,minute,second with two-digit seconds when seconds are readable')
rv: 2,13
